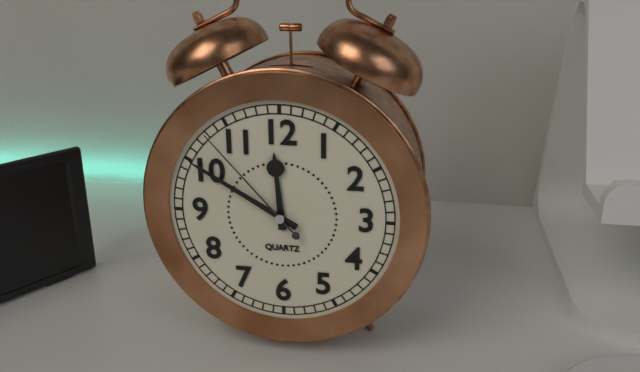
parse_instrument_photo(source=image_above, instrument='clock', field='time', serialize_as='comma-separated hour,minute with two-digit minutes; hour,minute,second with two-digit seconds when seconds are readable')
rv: 11,50,53
